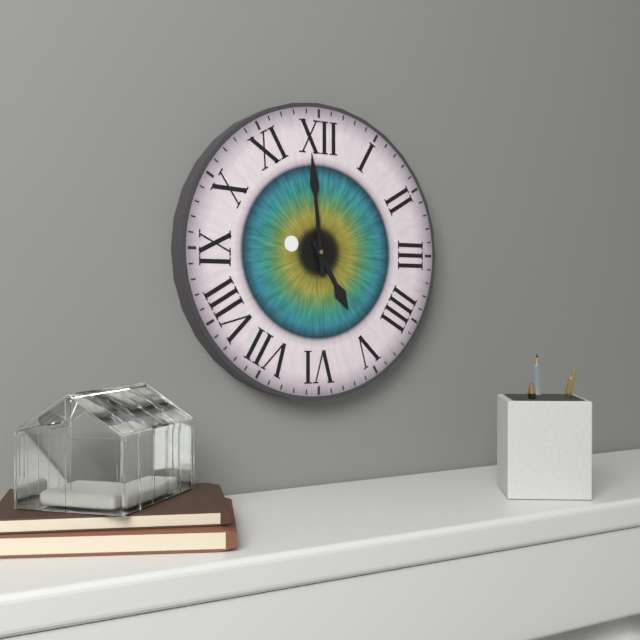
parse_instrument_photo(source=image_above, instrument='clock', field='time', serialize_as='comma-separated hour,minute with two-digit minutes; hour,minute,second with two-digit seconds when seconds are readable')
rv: 4,59
